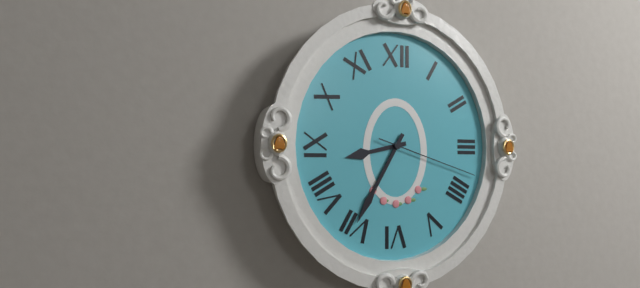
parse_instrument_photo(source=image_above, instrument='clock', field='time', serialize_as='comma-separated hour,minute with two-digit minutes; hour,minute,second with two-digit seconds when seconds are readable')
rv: 8,35,18
